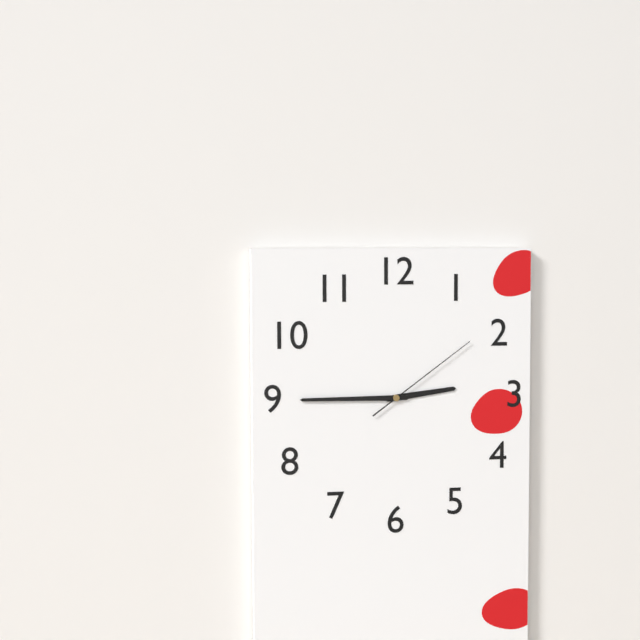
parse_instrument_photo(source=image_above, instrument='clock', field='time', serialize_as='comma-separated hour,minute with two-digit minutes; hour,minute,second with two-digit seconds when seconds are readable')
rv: 2,45,09
